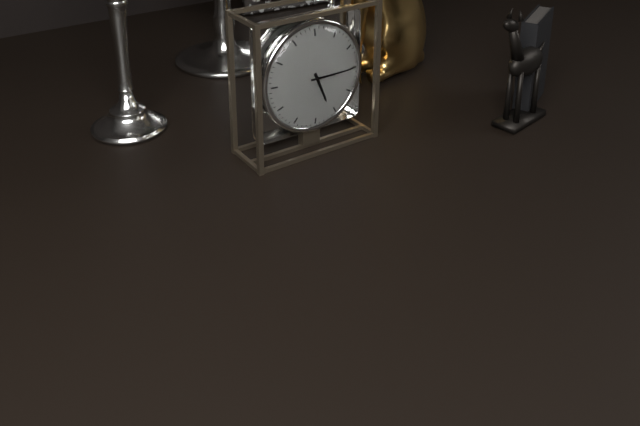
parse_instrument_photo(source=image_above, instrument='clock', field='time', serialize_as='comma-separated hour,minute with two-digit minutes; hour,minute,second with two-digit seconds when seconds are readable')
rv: 5,15
